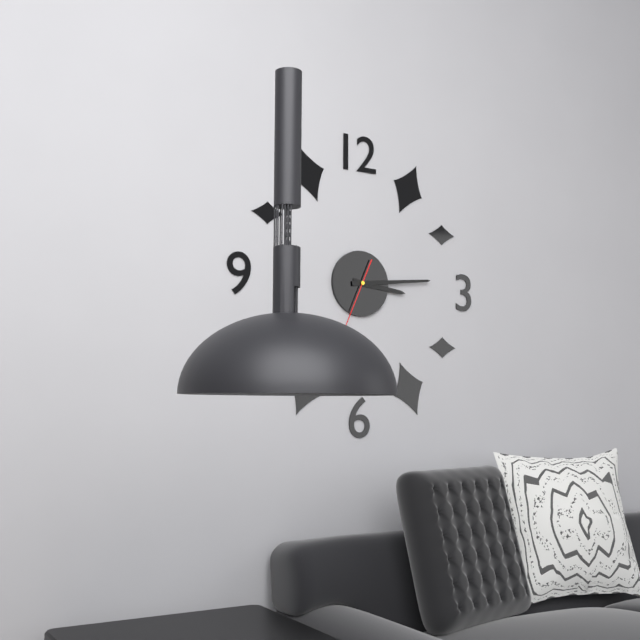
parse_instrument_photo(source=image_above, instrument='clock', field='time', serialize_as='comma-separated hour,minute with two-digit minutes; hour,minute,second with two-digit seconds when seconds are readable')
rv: 3,14
